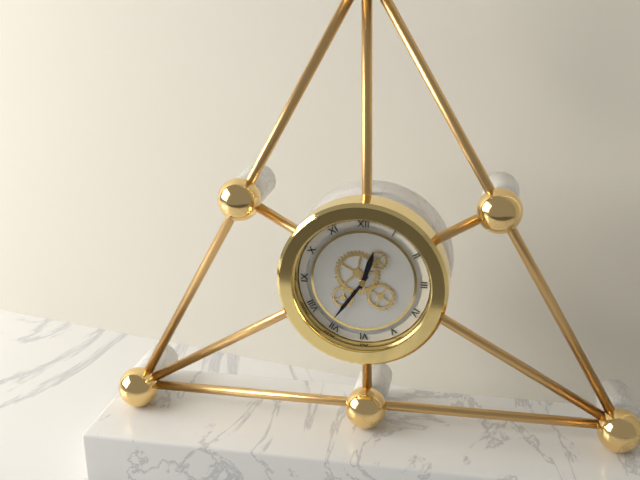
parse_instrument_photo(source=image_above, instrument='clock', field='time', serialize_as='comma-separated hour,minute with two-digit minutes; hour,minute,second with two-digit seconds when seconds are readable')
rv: 12,36
